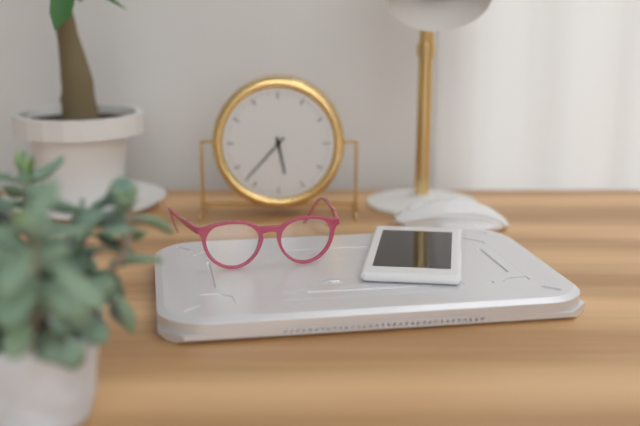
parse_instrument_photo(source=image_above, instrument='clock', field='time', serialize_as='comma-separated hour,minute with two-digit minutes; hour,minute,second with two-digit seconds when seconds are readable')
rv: 5,37
